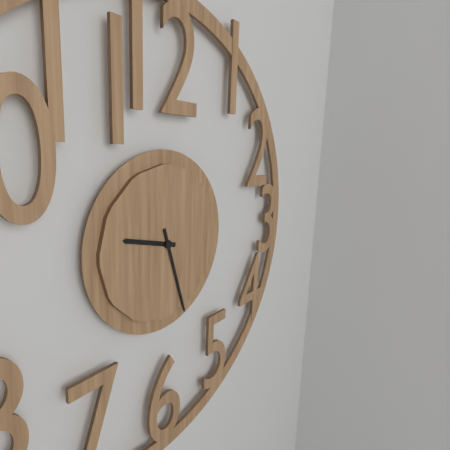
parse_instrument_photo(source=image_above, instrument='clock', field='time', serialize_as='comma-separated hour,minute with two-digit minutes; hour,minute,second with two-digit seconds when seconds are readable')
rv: 9,27
